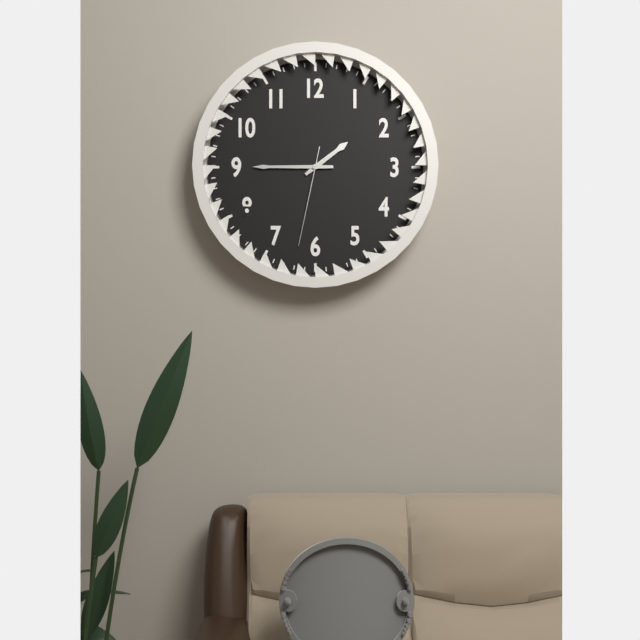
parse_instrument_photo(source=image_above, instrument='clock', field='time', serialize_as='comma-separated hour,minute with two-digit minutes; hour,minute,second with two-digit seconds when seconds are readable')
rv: 1,45,32
